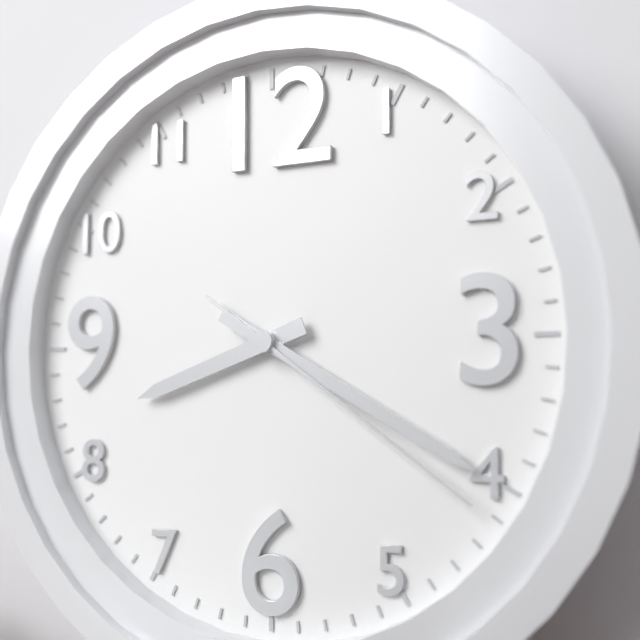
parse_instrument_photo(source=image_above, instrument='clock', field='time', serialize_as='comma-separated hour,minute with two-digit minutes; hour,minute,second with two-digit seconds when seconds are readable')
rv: 8,20,21
